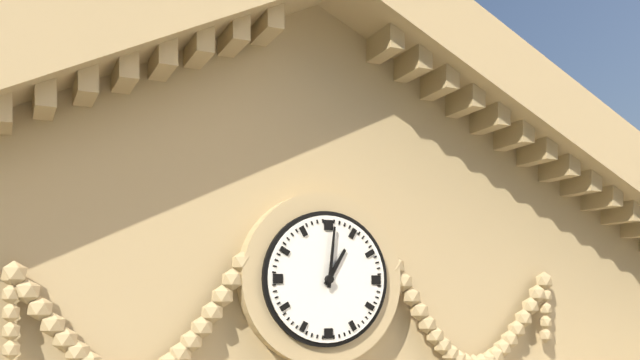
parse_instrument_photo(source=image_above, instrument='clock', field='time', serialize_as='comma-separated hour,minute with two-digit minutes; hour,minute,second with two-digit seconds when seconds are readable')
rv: 1,01
